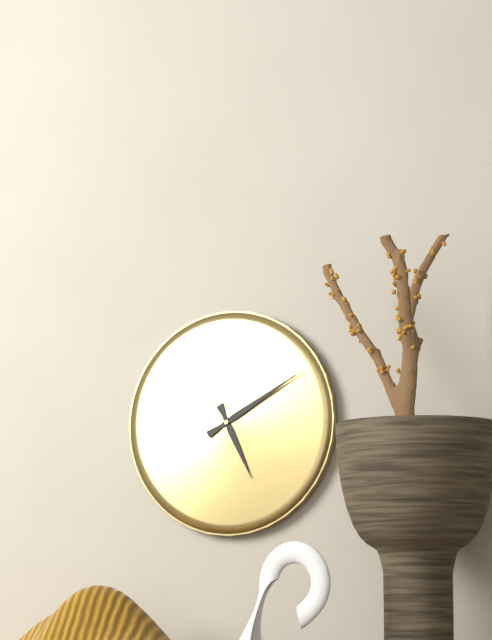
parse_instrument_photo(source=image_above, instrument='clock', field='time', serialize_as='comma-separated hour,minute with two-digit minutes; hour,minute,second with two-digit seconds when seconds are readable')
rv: 5,10
